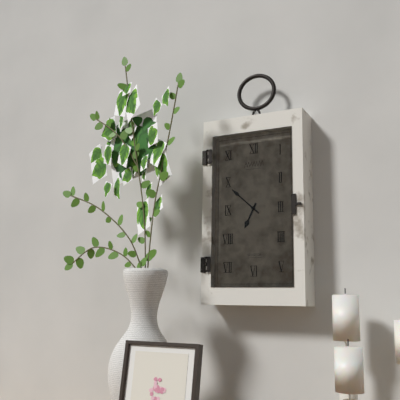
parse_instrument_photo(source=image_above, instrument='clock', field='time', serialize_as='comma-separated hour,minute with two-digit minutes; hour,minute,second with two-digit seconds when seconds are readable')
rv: 6,52
